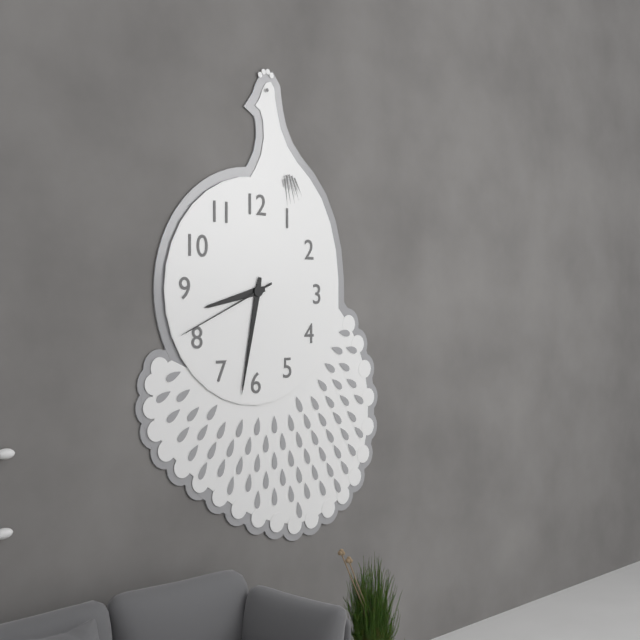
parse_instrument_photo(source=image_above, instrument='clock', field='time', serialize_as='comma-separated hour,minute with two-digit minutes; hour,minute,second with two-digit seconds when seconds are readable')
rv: 8,32,41
